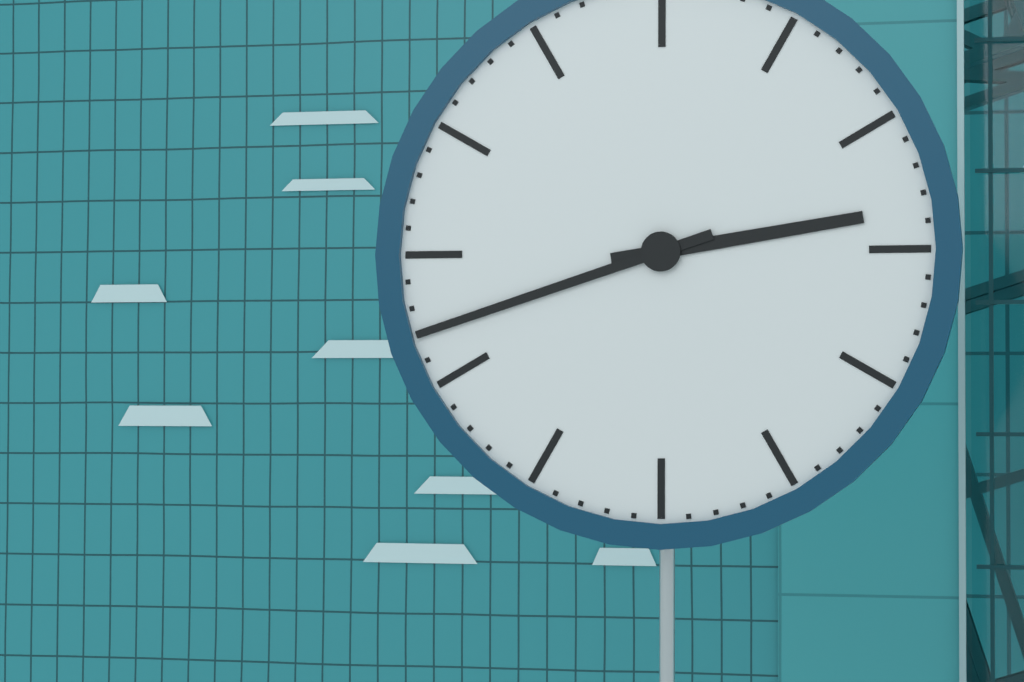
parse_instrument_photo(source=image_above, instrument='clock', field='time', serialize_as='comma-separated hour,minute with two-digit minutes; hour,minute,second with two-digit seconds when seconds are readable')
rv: 2,42
